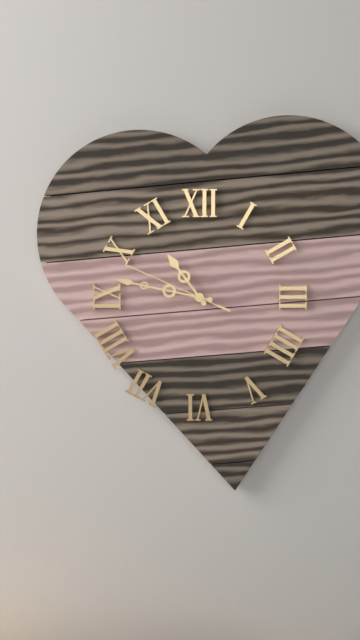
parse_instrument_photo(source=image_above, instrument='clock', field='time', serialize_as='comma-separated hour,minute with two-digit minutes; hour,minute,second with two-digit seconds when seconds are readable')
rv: 10,47,49
